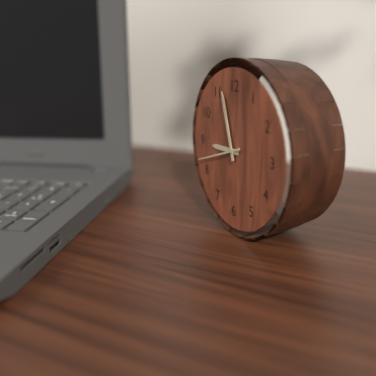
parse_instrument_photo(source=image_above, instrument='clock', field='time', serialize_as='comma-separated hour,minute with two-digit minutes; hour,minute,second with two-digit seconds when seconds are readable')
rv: 8,57
